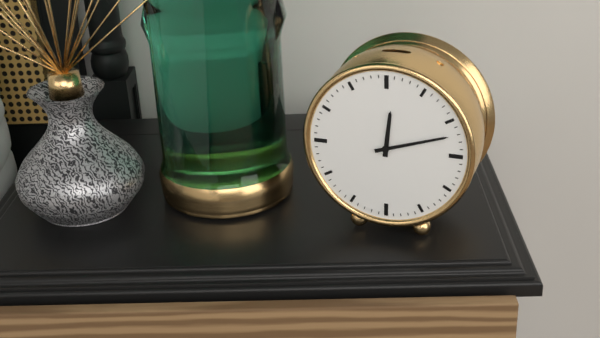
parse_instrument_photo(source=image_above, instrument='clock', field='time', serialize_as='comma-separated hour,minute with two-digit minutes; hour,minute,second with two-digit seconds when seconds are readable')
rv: 12,12
